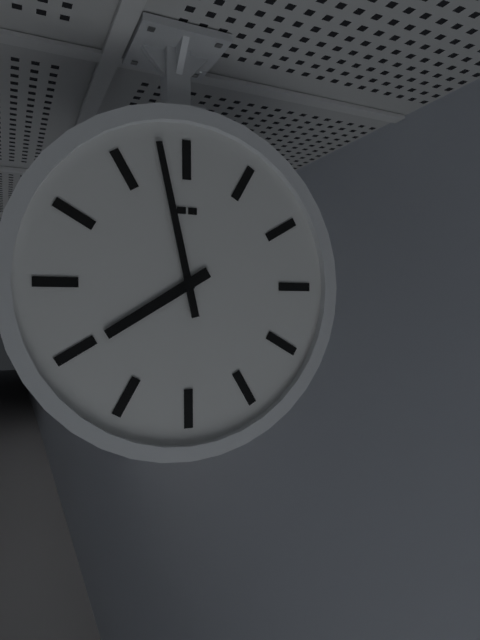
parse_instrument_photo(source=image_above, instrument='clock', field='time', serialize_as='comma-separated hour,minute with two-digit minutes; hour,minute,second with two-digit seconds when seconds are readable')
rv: 7,58
